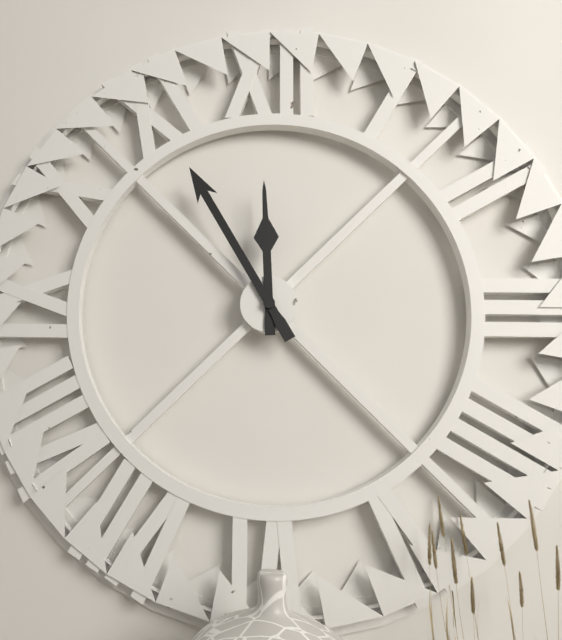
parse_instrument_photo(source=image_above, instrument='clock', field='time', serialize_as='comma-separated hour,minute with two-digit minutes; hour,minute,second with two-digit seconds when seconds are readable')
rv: 11,55
